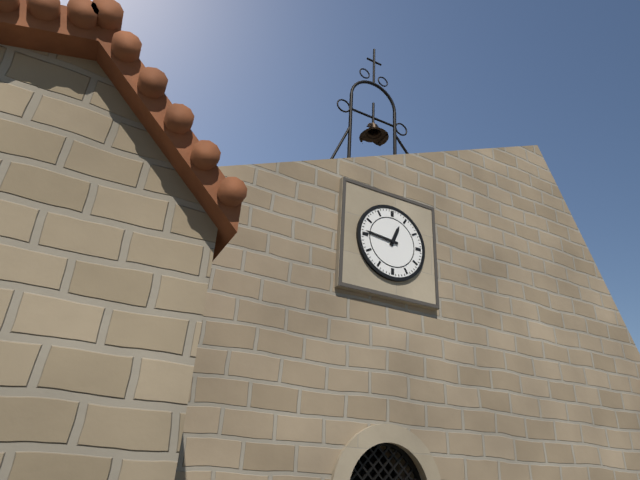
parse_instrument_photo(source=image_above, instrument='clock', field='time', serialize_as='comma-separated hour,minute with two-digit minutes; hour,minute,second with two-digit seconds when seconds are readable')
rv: 12,46
